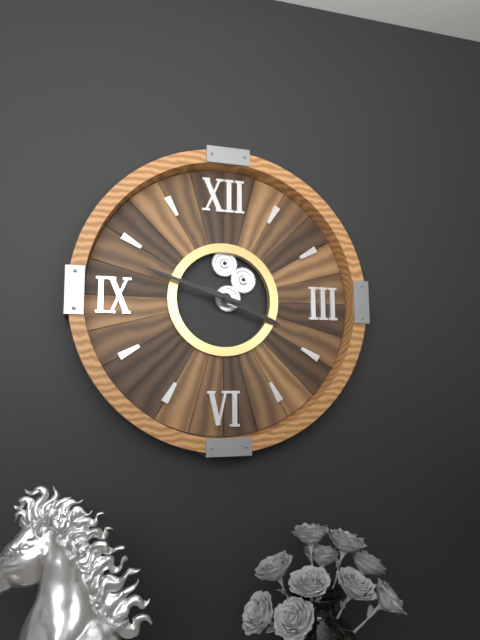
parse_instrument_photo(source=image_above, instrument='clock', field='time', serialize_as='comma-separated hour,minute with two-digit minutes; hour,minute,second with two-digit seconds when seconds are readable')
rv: 3,48
